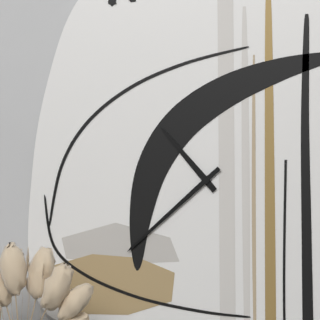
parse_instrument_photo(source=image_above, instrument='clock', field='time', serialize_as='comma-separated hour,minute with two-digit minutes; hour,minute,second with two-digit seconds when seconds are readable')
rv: 10,38
